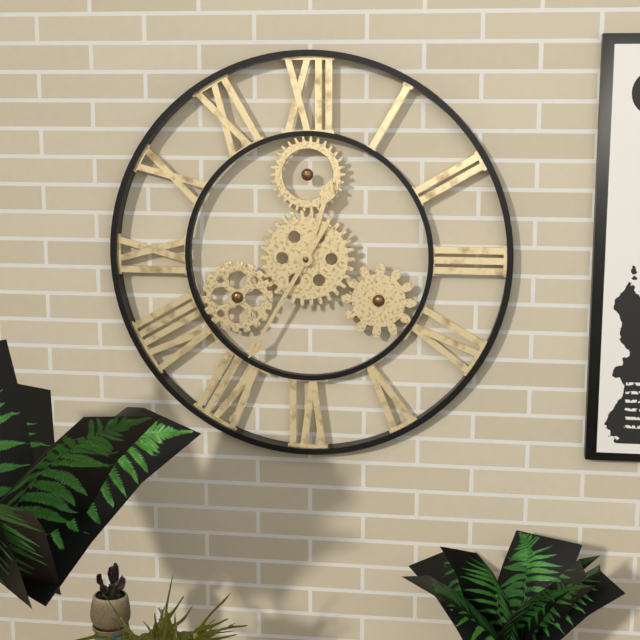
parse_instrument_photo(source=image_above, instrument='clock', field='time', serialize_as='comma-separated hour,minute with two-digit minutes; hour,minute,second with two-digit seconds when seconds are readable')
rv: 12,35
